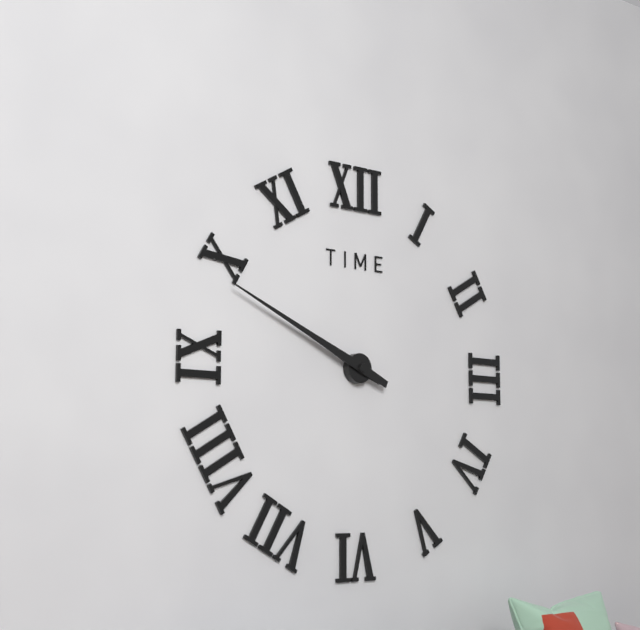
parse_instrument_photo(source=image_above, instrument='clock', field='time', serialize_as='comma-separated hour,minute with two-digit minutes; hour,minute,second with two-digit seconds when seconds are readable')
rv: 9,49
